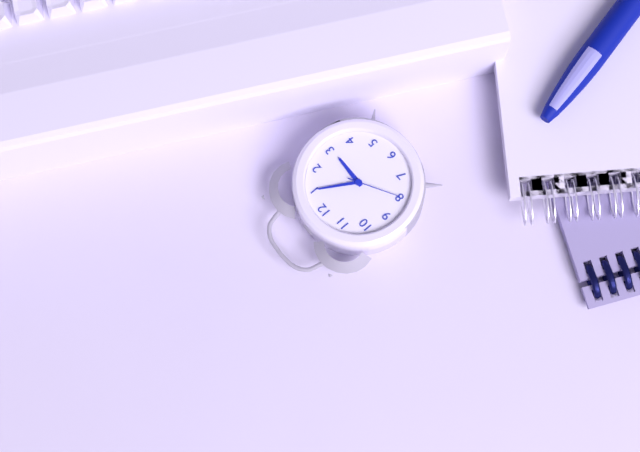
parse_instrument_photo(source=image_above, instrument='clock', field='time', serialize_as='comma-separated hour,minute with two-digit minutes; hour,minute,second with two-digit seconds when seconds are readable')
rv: 3,05,40
